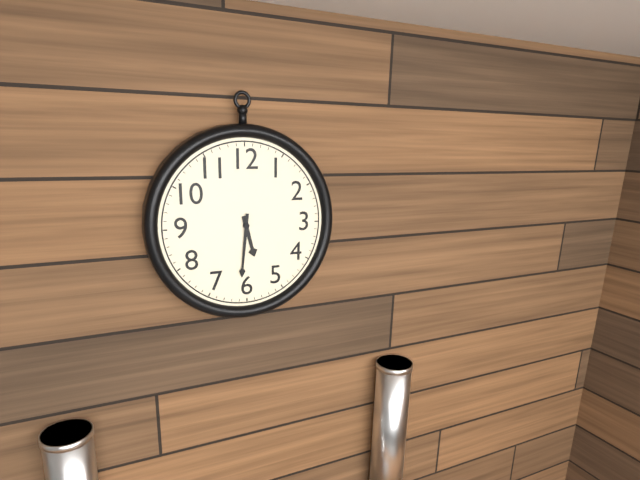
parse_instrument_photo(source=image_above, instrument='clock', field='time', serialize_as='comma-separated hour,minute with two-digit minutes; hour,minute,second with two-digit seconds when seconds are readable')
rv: 5,31
